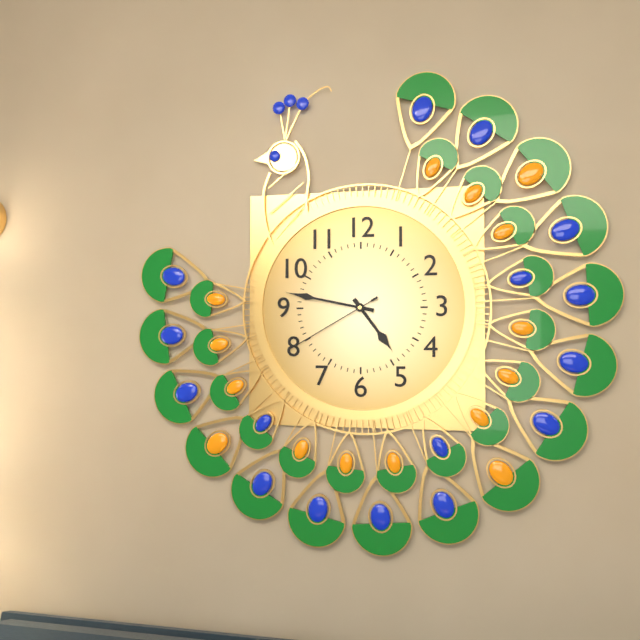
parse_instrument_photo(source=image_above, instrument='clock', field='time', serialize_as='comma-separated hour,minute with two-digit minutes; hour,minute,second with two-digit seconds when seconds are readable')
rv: 4,47,40
